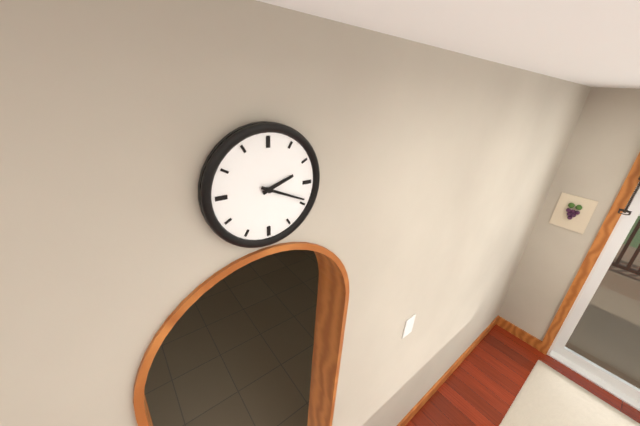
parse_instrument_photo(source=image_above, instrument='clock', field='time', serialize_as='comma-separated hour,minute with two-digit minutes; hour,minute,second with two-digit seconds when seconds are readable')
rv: 2,19
